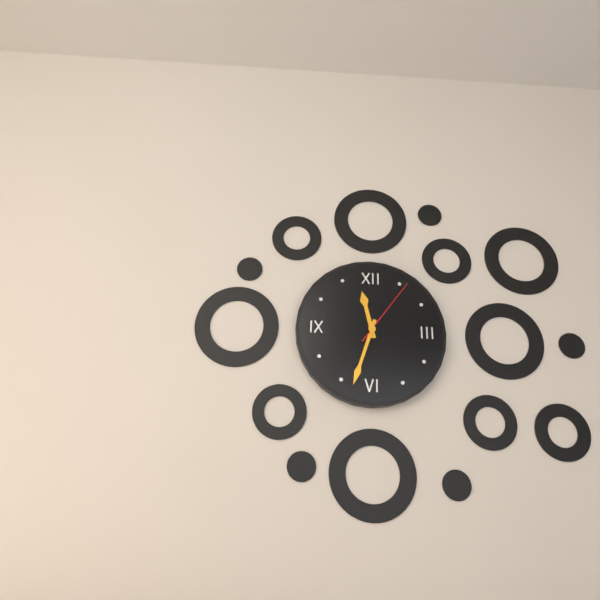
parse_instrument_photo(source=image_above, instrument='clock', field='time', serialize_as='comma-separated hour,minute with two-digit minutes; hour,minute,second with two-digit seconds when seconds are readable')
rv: 11,33,06
